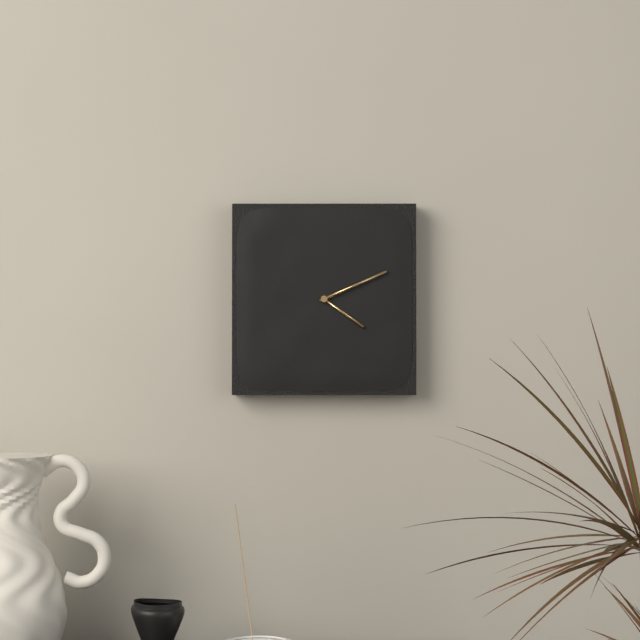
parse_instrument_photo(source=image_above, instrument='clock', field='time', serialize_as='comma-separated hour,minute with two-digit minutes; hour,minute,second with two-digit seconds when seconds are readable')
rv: 4,11
